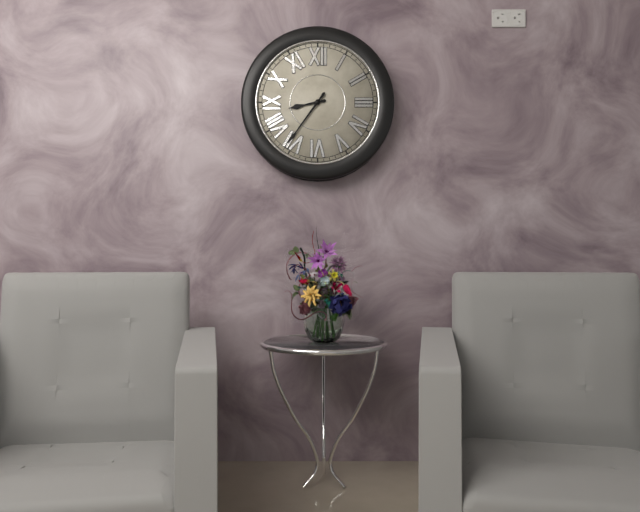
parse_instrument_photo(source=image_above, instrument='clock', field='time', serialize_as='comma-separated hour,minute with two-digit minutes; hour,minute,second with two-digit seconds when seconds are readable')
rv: 8,36
